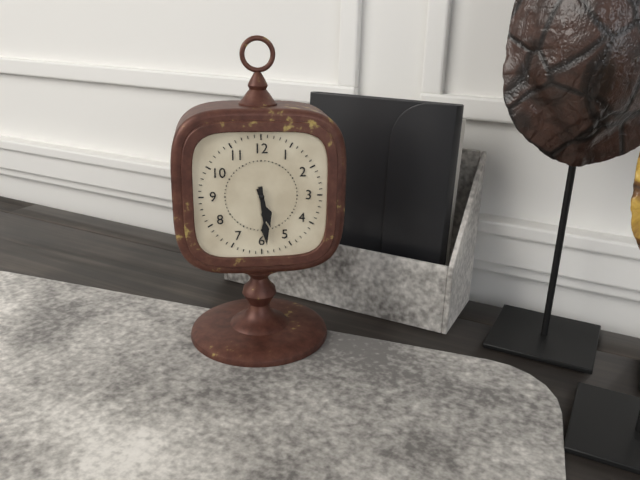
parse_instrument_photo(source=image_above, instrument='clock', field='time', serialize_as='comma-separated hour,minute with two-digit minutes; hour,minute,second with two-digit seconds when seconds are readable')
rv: 5,29
